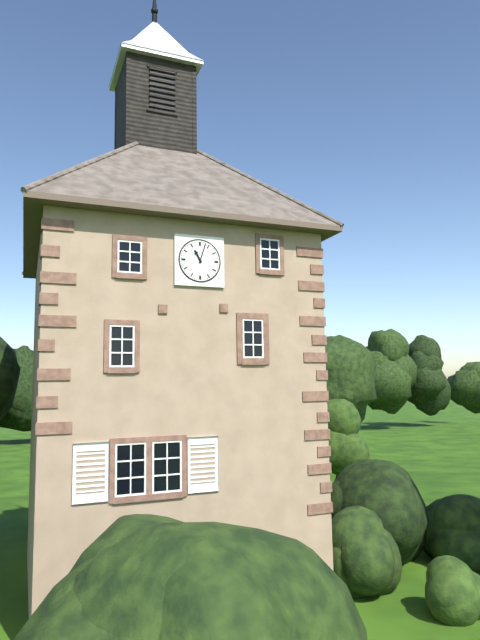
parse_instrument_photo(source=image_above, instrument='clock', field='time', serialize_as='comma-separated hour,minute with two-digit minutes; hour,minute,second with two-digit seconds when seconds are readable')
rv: 11,03
